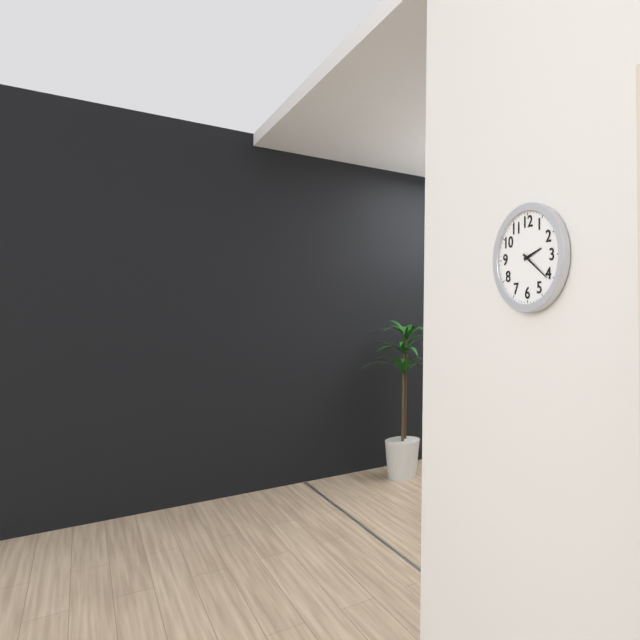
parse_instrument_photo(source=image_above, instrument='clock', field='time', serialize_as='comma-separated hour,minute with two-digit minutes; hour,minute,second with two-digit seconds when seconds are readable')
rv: 2,21
